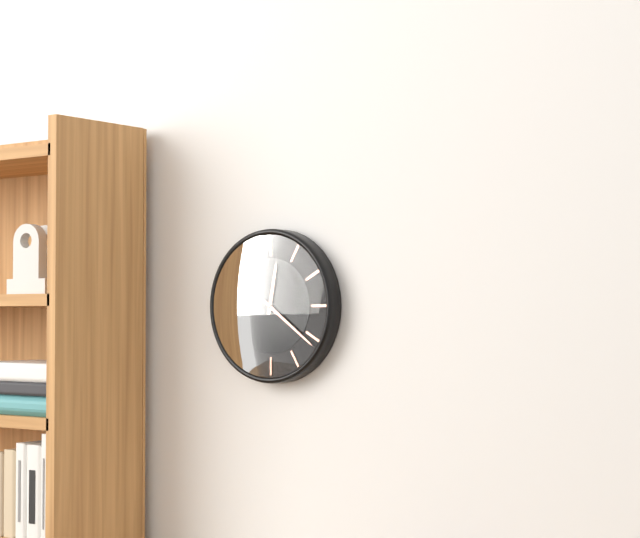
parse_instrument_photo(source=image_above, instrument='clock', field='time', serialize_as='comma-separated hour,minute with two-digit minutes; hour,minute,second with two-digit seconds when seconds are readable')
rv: 12,21
